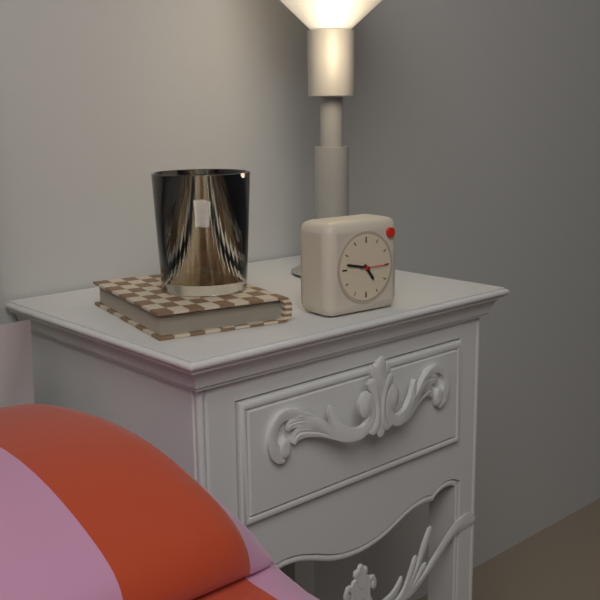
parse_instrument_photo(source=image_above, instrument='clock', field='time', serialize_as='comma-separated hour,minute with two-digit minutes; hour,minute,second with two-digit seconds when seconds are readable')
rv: 4,47
